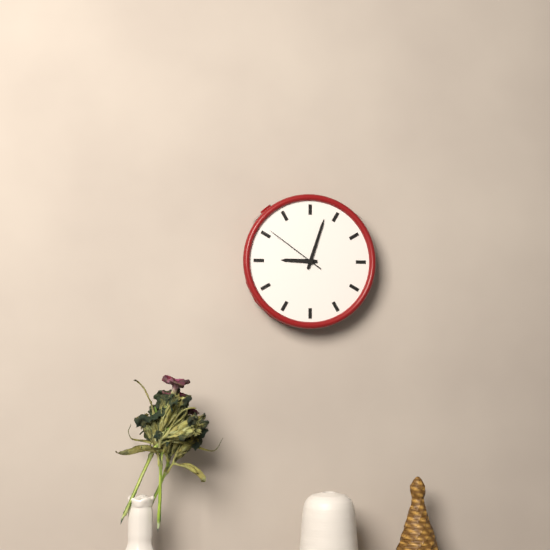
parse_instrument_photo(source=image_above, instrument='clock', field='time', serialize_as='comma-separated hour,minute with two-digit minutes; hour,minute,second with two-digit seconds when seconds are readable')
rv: 9,03,51
